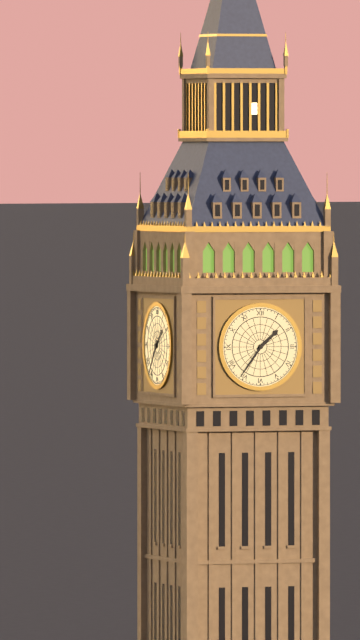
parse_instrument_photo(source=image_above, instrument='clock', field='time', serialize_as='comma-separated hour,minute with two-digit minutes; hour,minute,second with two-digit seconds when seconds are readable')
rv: 1,36
